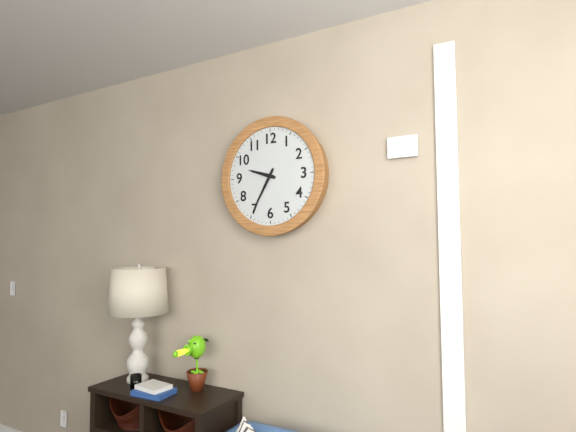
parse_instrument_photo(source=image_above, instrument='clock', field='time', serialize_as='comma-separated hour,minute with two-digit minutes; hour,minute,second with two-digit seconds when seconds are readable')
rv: 9,35
